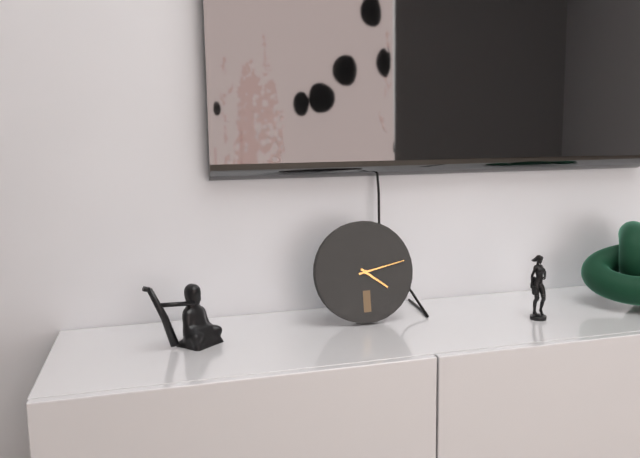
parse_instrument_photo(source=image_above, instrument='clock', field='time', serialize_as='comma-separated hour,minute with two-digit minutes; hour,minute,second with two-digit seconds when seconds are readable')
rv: 4,13
